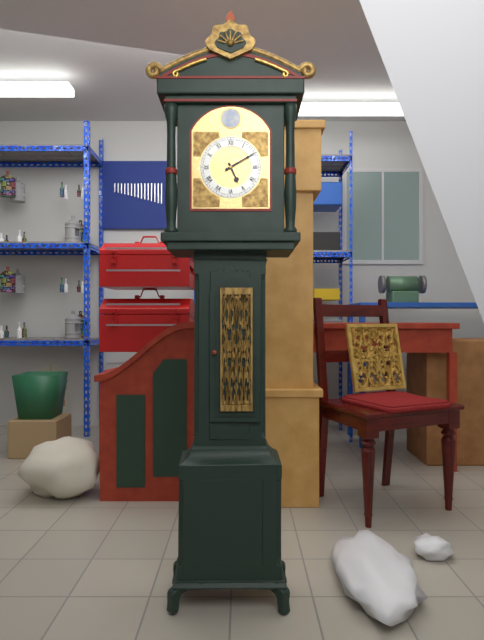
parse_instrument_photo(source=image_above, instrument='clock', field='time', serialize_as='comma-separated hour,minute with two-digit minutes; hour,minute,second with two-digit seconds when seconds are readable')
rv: 5,10
